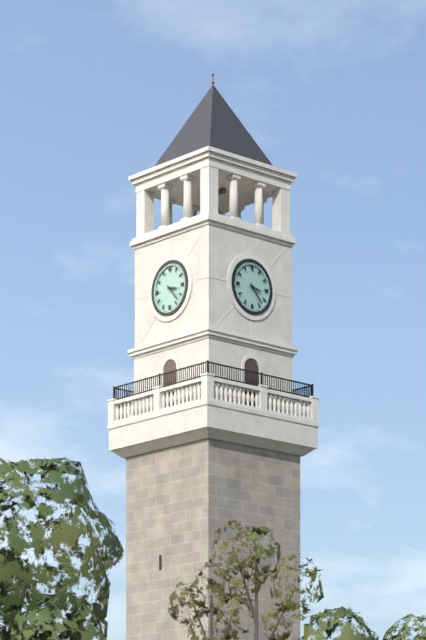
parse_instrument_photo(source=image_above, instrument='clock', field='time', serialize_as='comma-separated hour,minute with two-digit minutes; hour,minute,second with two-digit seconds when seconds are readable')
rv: 3,23
